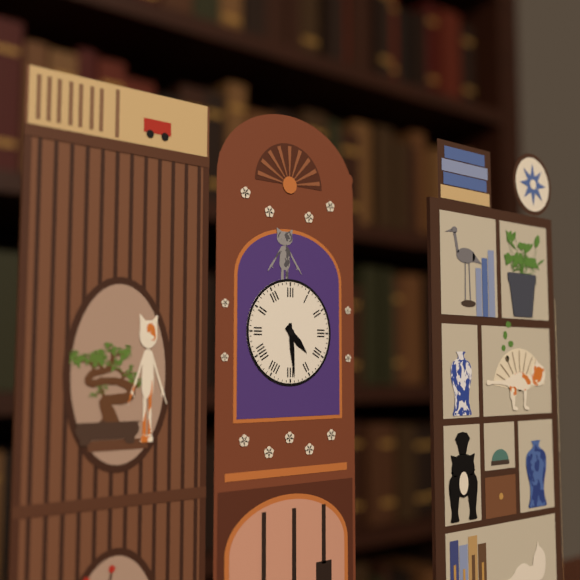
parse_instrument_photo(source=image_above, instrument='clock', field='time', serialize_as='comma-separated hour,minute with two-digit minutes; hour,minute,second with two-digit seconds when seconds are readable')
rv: 4,29
